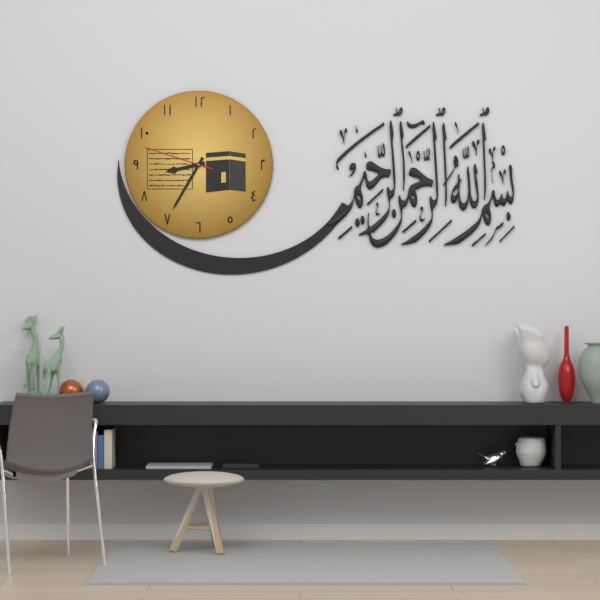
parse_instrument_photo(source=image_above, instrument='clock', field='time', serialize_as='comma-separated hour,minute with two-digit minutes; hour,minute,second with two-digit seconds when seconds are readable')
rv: 8,35,48
